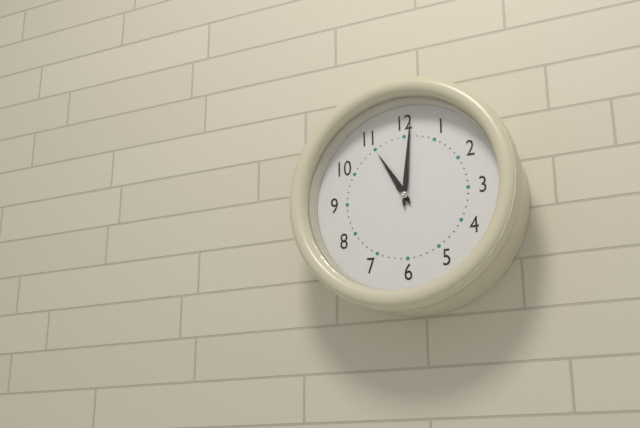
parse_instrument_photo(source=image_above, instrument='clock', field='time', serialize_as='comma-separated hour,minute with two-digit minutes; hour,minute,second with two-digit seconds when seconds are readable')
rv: 11,01
